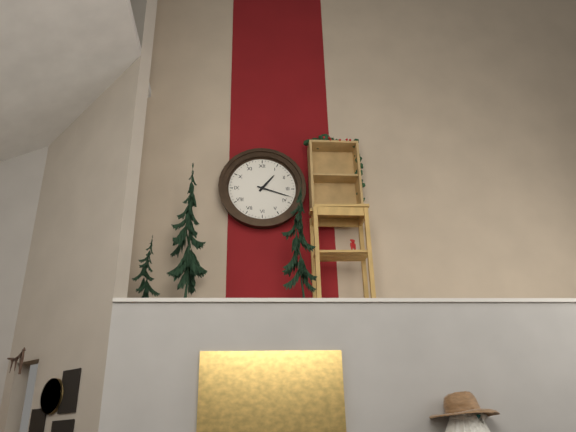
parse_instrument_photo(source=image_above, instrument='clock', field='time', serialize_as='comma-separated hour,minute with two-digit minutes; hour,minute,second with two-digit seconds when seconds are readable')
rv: 1,18
